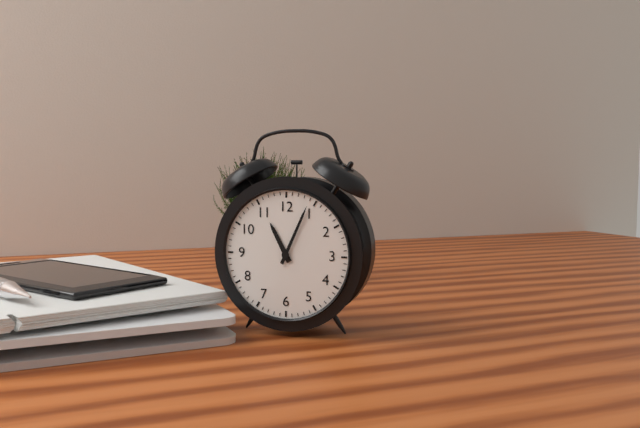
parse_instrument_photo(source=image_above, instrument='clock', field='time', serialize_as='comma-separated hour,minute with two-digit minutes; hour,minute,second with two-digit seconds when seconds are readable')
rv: 11,04
